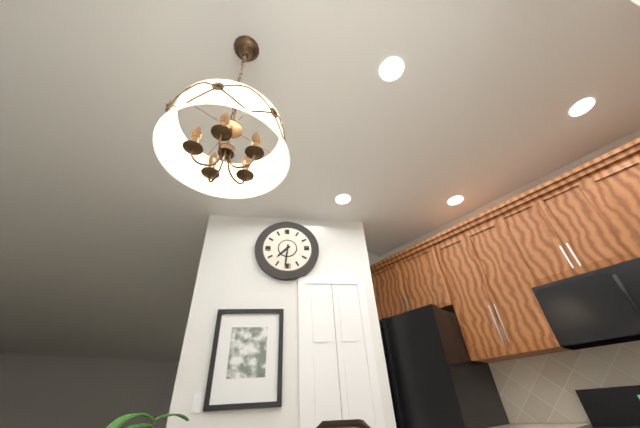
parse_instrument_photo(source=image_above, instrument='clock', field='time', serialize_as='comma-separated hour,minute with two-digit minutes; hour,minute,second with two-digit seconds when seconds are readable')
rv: 7,31
